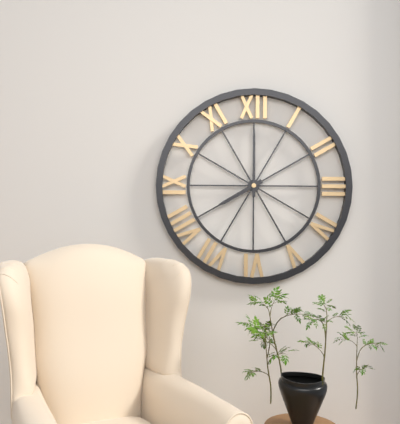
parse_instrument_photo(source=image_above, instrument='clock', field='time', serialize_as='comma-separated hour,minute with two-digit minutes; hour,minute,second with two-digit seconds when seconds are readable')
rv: 8,00
